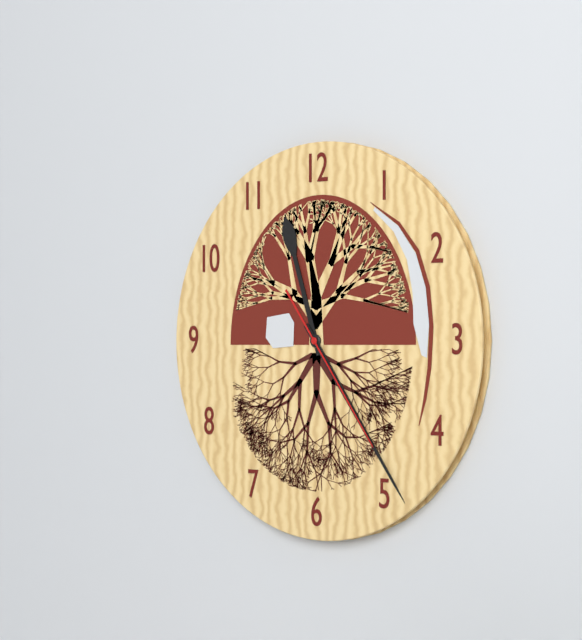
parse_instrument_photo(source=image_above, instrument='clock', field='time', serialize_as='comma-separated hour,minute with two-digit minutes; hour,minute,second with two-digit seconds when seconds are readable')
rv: 11,24,24
